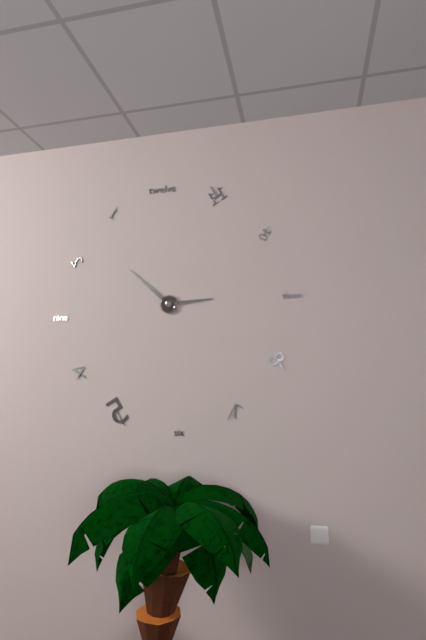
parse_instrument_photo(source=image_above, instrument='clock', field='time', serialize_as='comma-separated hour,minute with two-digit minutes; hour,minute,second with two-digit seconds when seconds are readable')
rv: 2,52
